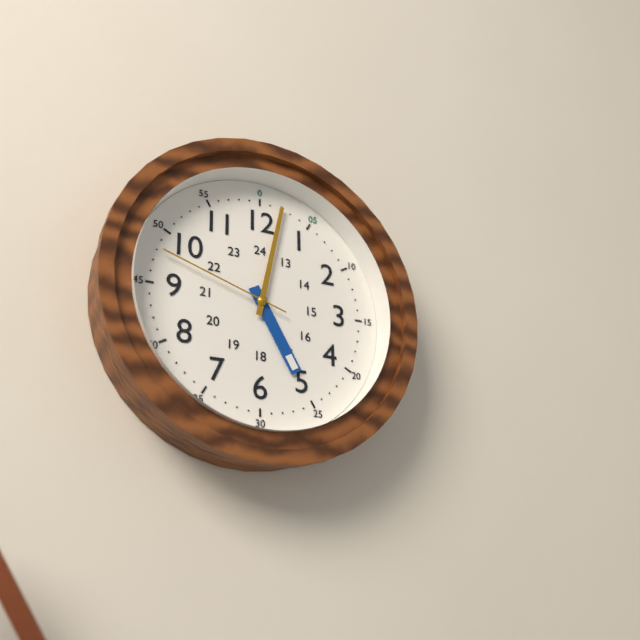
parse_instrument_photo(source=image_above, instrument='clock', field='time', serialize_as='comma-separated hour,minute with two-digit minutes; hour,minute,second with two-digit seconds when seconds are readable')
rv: 5,02,48
